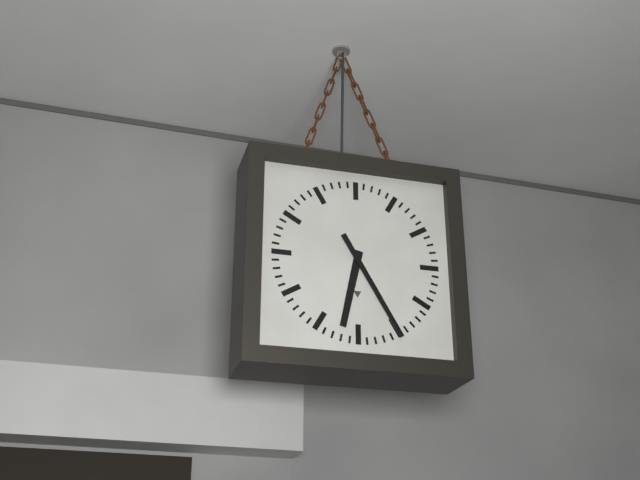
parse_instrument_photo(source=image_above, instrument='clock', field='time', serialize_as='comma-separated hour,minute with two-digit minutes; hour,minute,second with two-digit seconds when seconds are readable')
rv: 6,25
